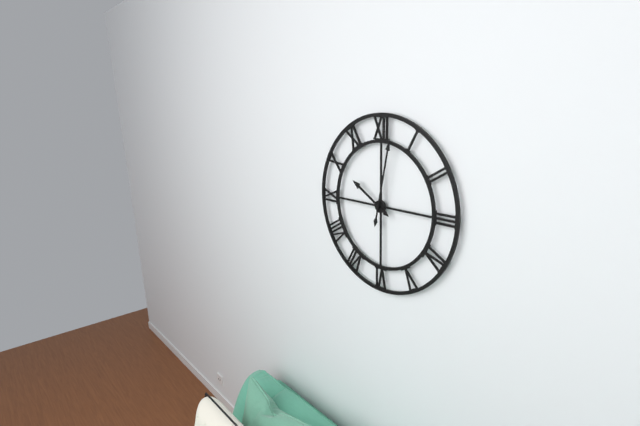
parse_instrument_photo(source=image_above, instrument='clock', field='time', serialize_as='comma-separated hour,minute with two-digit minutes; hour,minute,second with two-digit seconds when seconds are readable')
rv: 10,02
